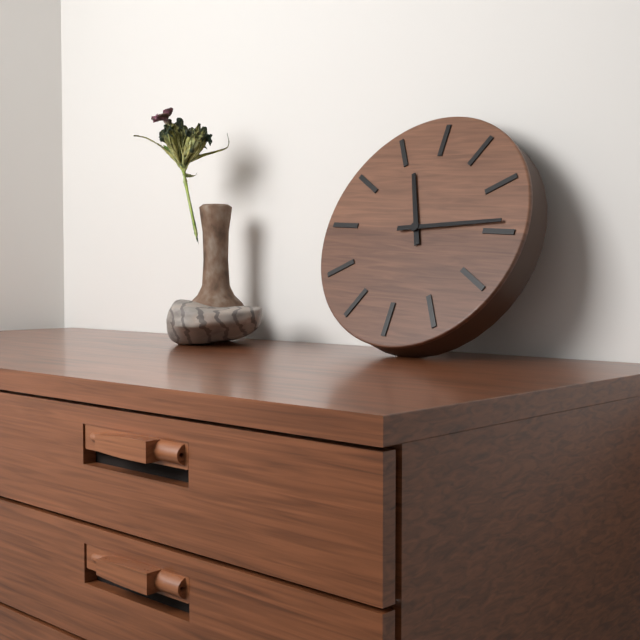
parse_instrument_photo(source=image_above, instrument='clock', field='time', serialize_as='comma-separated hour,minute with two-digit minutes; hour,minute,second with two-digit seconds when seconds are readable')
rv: 11,14
